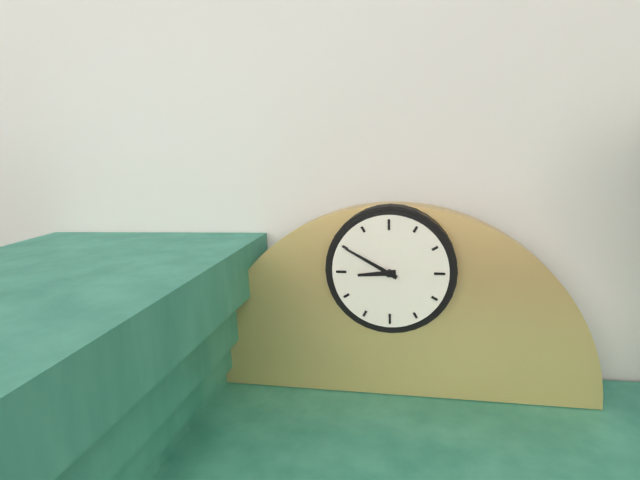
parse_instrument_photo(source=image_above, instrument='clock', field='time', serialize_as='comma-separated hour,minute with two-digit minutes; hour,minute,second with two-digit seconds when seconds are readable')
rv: 8,50
